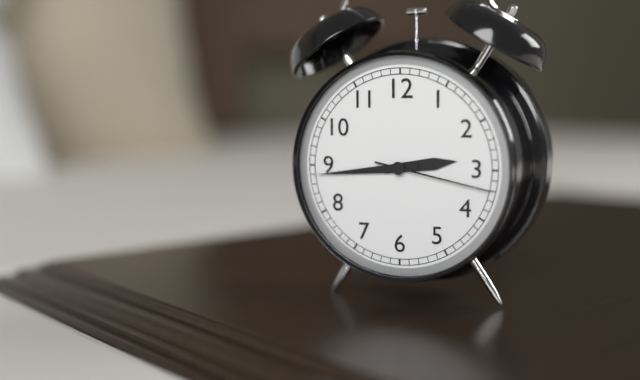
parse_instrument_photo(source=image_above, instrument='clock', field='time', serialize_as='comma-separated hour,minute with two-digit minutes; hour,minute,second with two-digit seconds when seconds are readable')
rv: 2,44,17
